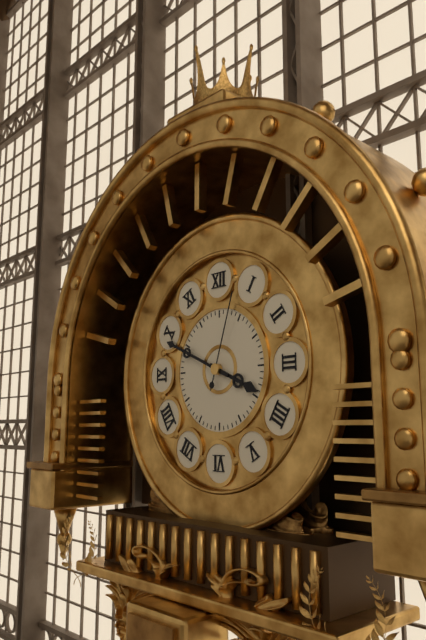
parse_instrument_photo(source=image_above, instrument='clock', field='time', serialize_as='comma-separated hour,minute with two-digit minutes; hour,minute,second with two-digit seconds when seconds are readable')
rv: 3,49,03
